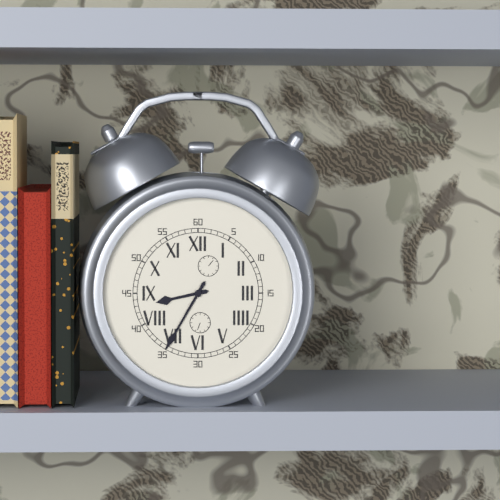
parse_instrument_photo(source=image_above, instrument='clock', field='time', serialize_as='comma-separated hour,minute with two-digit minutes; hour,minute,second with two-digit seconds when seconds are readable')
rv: 8,35
